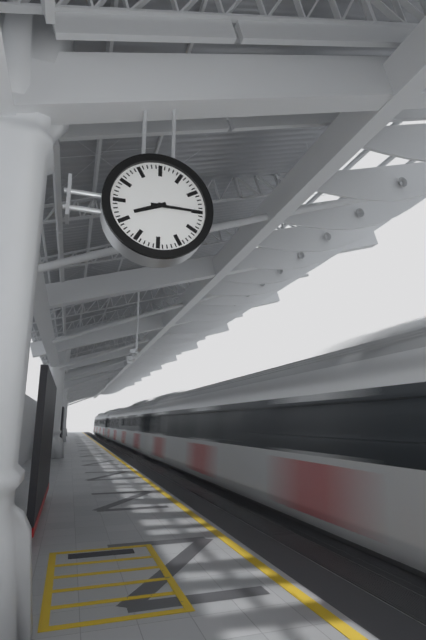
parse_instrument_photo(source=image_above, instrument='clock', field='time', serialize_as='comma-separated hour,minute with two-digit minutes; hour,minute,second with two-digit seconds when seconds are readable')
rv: 8,15
